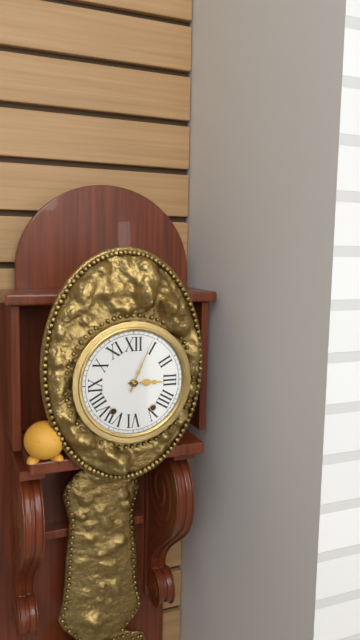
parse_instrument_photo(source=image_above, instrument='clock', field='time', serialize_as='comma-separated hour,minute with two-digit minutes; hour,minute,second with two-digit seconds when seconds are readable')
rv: 3,04
